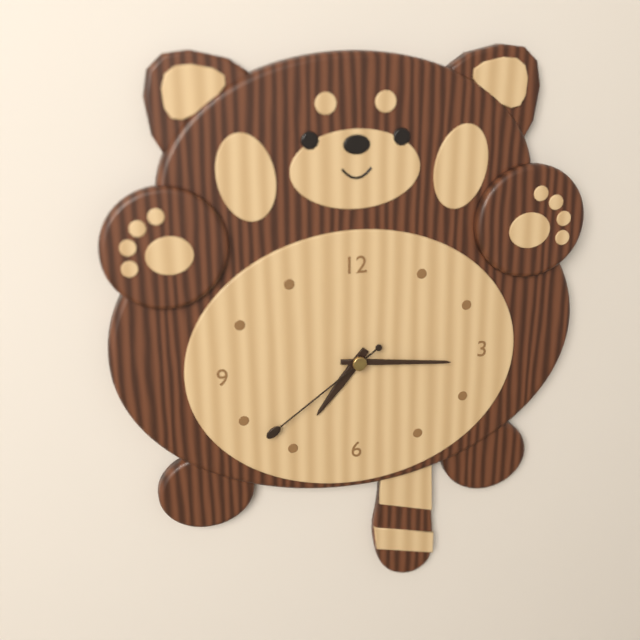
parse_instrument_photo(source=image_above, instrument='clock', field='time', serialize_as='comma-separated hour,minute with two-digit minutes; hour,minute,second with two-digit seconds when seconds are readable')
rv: 7,16,39
